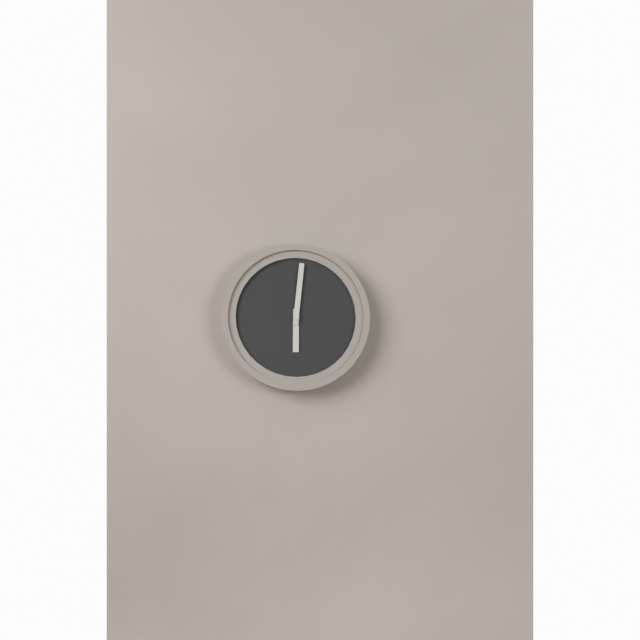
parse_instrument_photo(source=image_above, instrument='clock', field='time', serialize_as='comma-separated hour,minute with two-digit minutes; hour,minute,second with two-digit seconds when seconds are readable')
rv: 6,01
